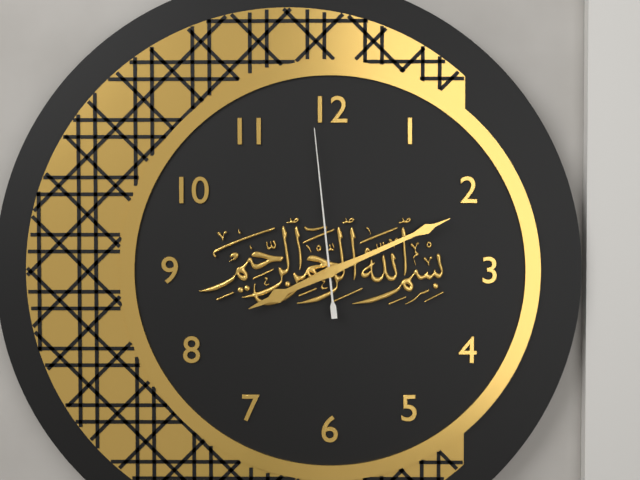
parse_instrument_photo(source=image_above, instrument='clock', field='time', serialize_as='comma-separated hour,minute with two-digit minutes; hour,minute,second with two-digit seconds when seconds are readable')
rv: 8,11,59
